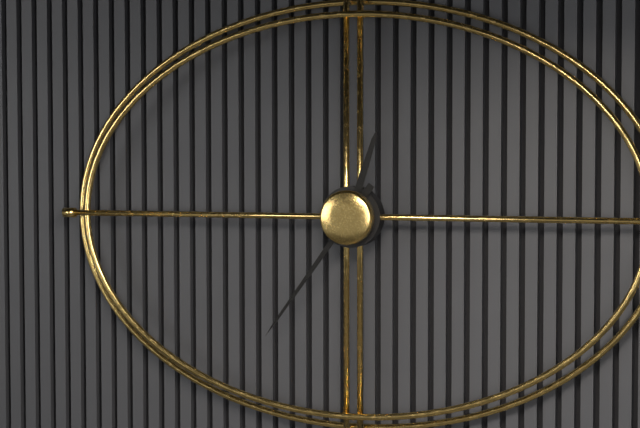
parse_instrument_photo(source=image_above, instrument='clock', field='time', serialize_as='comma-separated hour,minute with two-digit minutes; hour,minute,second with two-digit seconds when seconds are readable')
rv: 12,36
